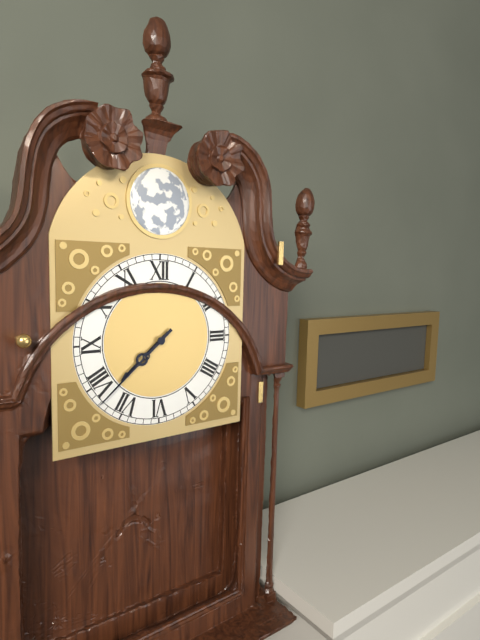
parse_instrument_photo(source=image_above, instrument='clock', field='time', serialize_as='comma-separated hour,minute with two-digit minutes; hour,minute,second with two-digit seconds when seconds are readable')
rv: 7,38
